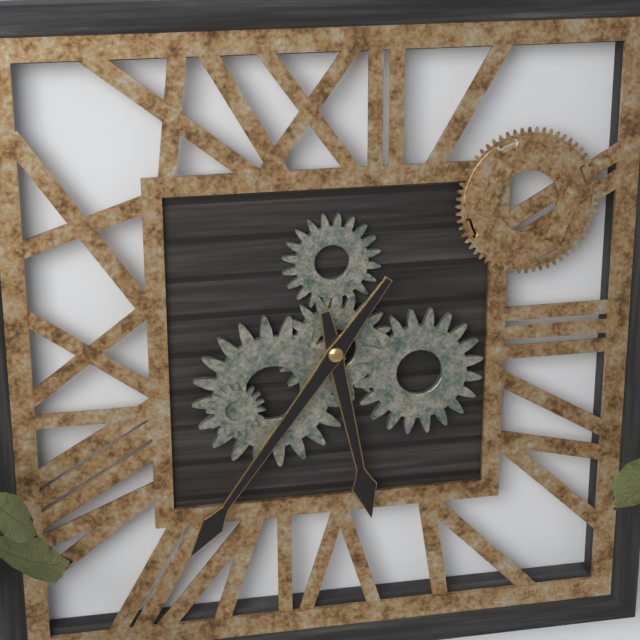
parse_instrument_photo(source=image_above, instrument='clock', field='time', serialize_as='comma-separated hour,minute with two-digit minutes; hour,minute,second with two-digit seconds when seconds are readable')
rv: 5,36
